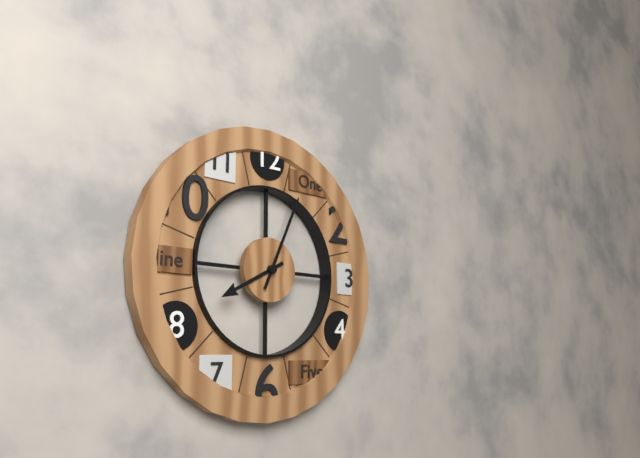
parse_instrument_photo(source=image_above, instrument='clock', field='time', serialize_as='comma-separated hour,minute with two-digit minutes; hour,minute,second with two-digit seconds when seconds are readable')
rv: 8,04
